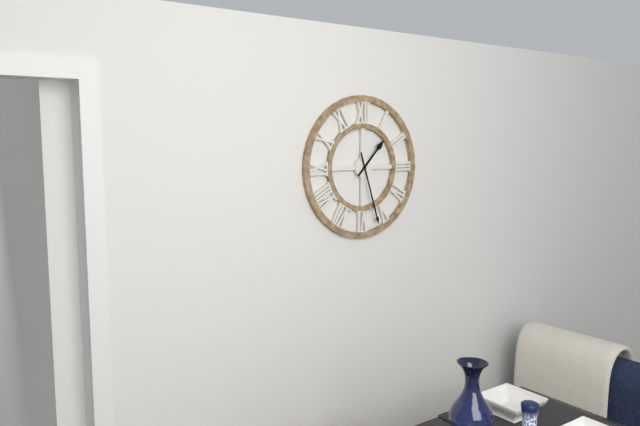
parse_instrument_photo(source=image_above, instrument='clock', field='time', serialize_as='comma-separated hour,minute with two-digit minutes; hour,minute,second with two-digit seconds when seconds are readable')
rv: 1,27
